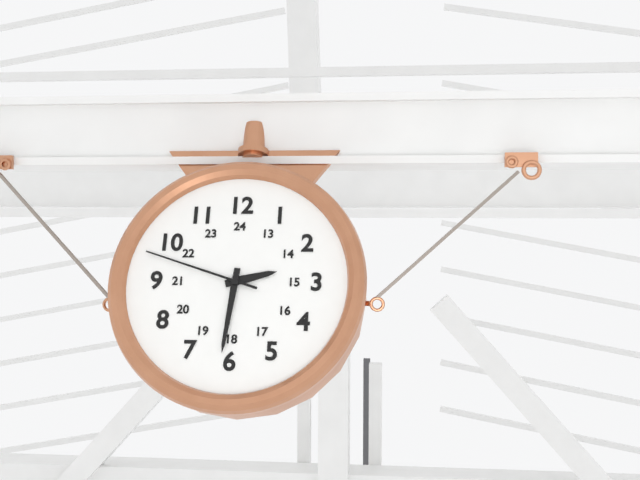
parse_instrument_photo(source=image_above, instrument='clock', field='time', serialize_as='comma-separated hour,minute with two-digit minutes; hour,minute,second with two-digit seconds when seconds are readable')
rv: 2,31,48
